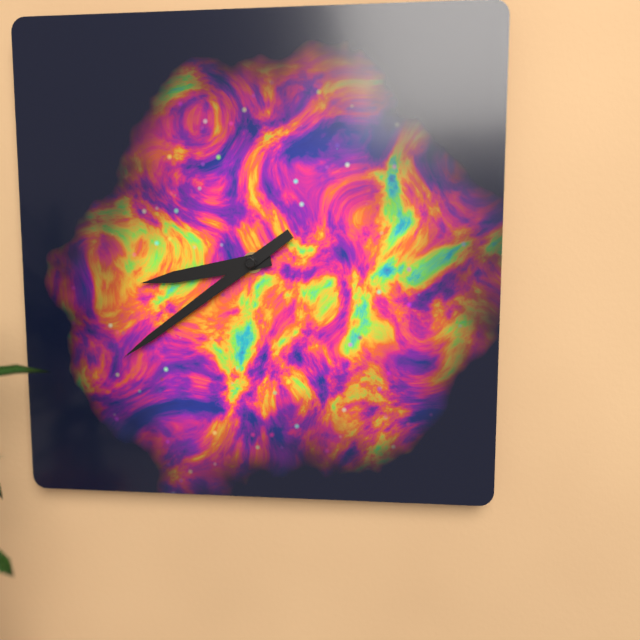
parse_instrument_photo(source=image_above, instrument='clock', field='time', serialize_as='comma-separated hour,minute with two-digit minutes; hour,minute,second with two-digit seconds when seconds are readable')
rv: 8,39
